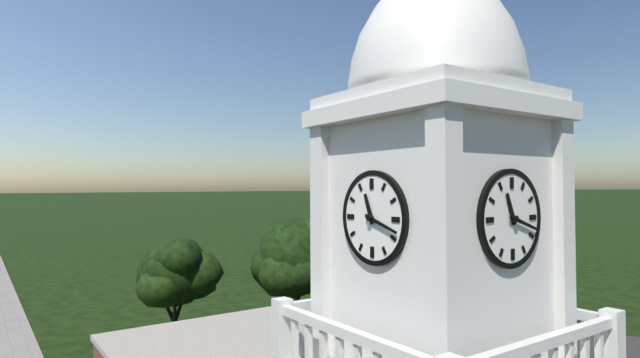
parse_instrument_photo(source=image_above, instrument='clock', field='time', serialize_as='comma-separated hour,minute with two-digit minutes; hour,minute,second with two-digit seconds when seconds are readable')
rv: 11,18
